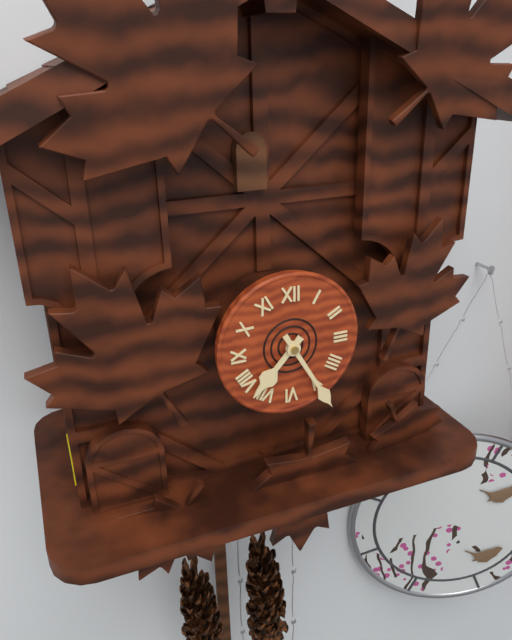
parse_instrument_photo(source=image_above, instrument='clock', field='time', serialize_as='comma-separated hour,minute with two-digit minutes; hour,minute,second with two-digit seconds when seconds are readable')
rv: 7,25
